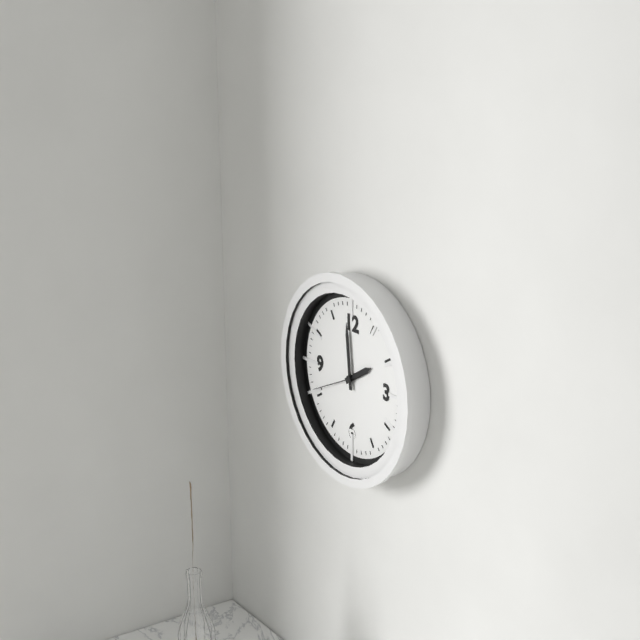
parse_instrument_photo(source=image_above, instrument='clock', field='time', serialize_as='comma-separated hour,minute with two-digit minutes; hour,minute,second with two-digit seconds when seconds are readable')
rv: 1,59,41
